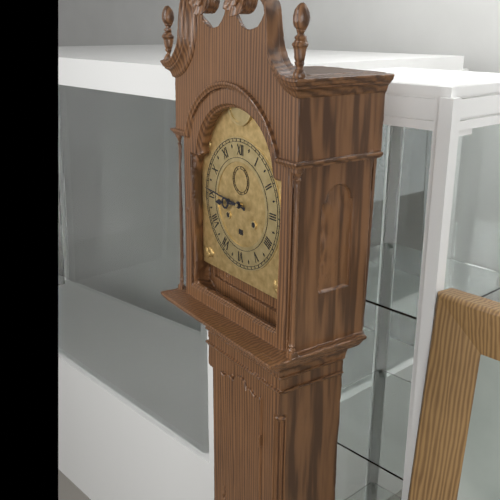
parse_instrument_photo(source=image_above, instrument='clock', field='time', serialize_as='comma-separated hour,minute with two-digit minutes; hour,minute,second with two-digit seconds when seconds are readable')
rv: 8,46
